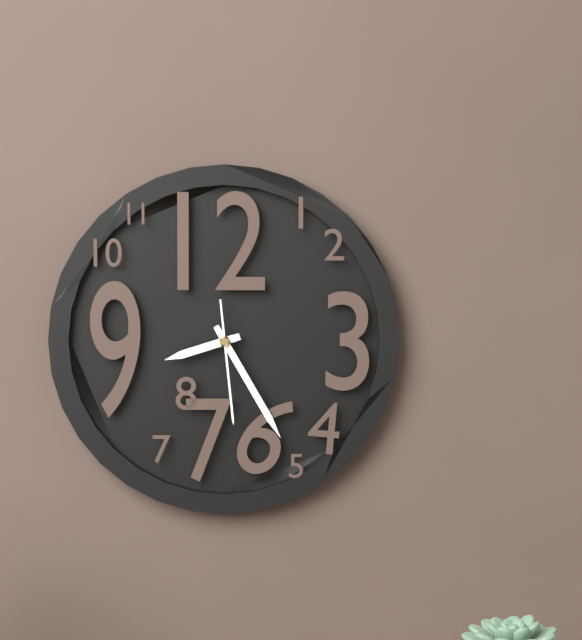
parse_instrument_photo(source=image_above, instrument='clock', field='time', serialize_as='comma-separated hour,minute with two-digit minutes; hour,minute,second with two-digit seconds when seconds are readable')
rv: 8,25,29
